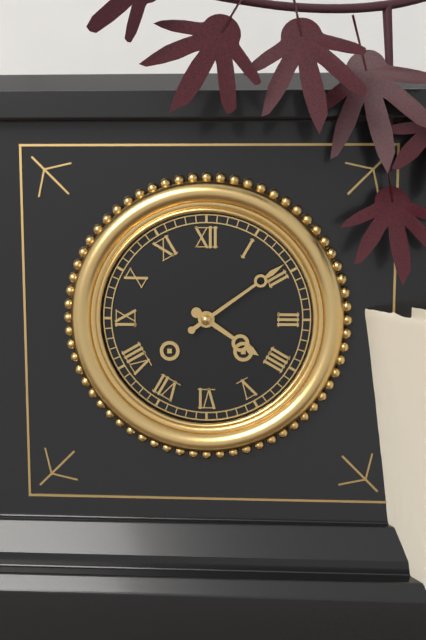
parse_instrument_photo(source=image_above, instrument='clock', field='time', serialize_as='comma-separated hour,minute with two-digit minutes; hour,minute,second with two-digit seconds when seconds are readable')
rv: 4,09
